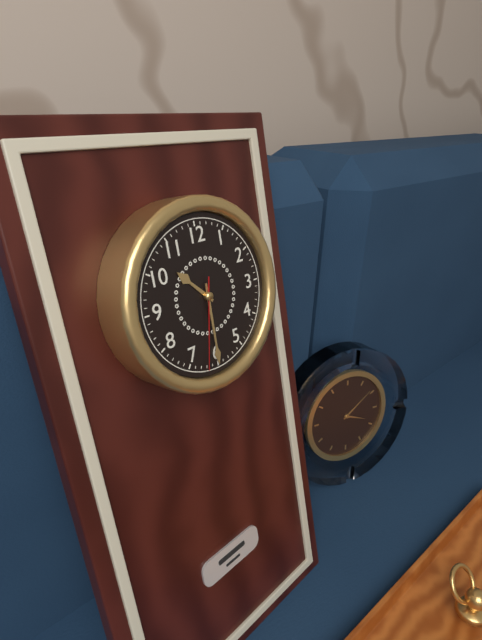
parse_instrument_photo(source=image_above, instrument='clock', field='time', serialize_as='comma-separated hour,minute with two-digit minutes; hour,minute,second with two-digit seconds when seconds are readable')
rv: 10,30,32
